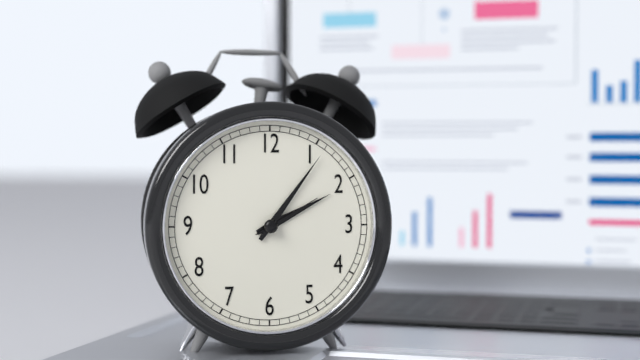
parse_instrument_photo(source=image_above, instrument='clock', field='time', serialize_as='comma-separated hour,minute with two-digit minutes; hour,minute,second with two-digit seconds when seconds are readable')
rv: 2,06,10
